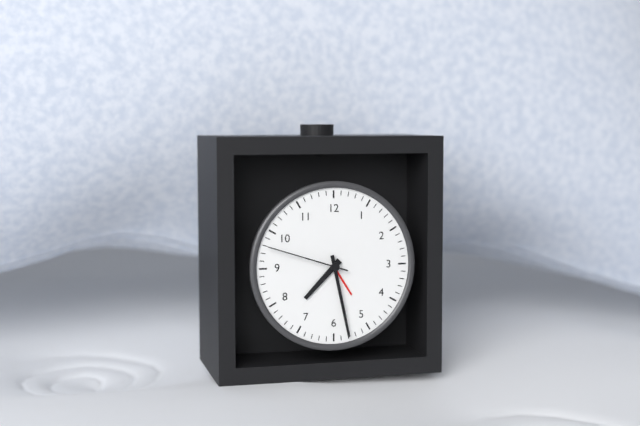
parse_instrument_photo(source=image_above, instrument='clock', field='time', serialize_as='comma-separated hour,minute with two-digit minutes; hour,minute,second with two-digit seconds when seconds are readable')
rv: 7,28,48
